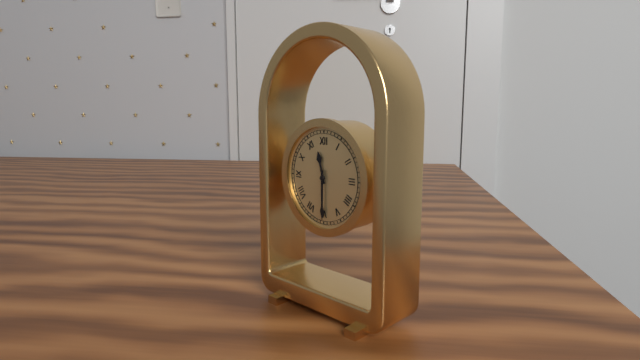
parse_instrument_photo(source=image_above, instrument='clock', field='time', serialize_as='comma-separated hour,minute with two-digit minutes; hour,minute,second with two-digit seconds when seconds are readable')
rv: 11,30
